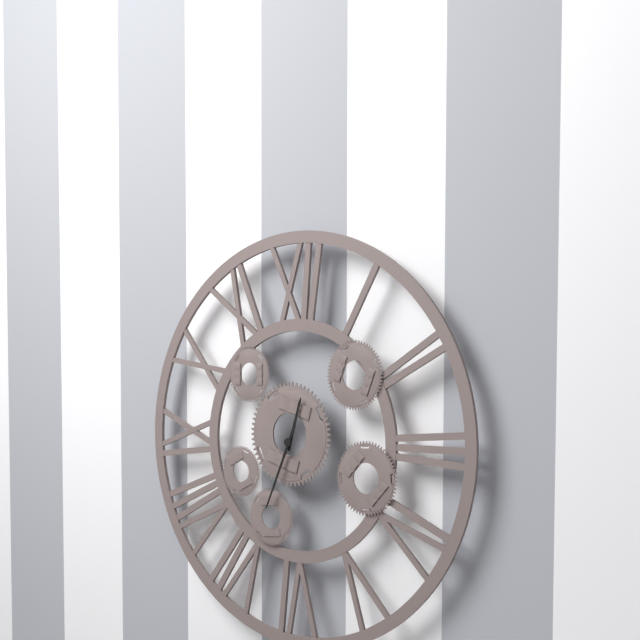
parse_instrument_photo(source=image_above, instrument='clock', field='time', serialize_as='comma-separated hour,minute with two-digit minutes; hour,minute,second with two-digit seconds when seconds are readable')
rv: 12,34
